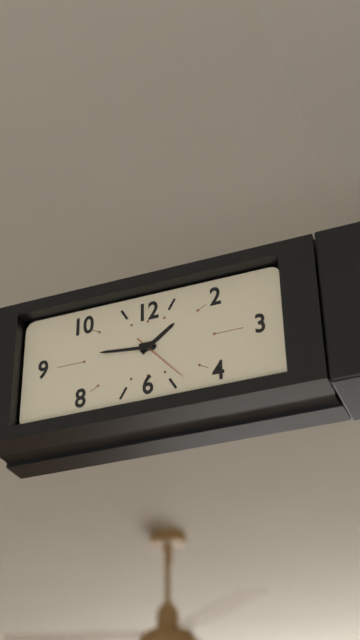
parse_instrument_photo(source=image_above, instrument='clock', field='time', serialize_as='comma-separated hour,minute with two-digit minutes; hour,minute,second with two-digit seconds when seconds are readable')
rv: 1,46,23
